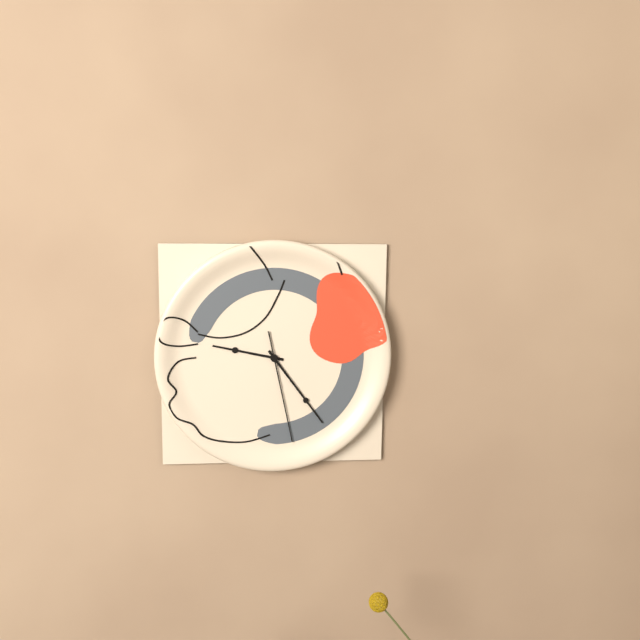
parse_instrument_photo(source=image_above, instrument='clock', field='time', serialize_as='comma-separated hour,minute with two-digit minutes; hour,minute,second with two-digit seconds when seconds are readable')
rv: 9,24,28
